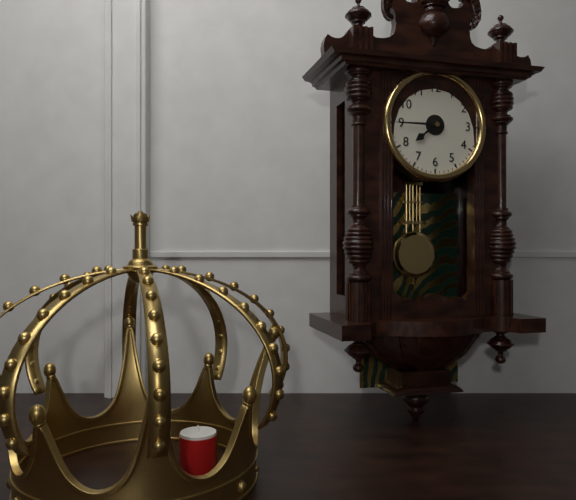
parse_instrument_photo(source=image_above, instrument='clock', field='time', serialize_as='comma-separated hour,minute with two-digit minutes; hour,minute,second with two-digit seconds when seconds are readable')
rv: 7,45
